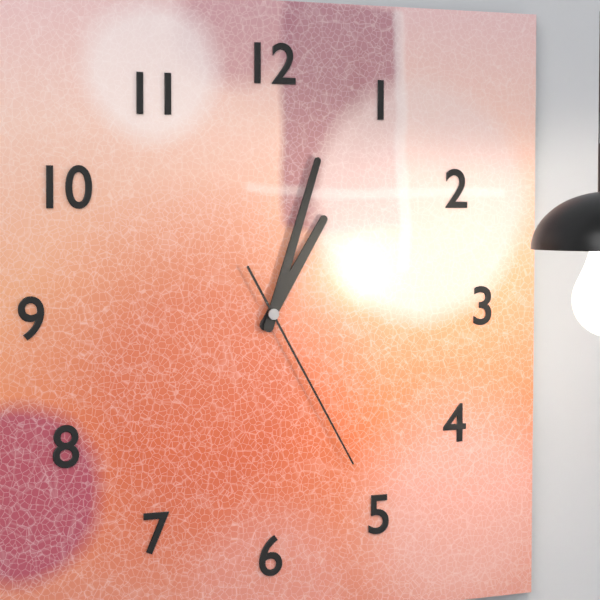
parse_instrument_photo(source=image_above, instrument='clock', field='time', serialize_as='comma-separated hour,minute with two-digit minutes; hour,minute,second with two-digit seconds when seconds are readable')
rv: 1,03,25
